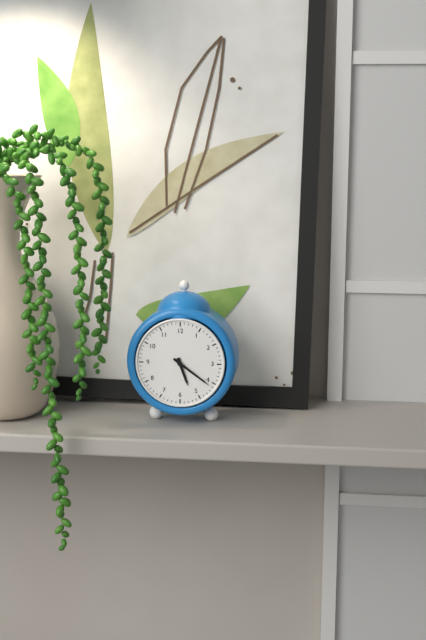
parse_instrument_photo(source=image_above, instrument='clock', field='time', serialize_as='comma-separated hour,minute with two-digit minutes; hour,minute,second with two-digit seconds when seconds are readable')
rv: 5,21
